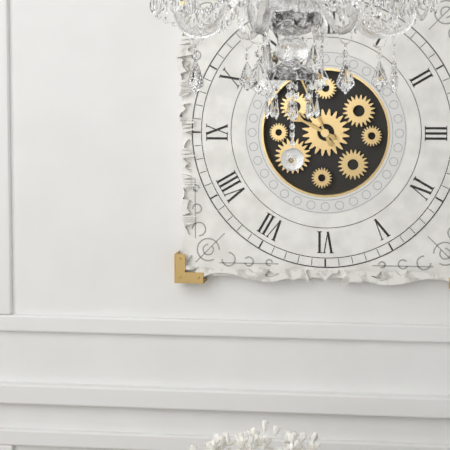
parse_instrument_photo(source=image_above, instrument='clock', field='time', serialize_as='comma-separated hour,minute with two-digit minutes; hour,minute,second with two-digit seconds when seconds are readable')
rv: 9,56
